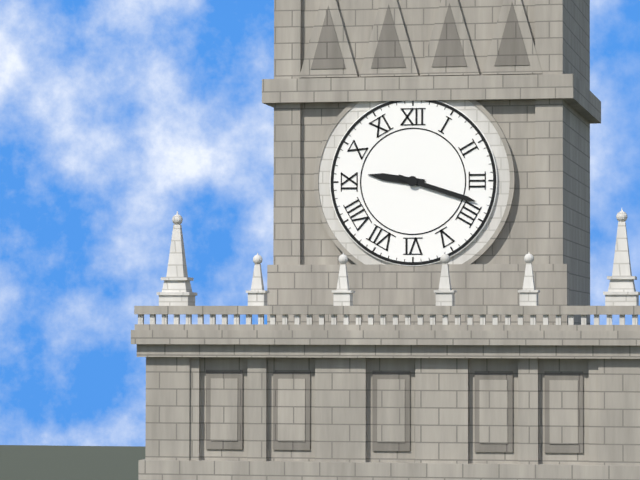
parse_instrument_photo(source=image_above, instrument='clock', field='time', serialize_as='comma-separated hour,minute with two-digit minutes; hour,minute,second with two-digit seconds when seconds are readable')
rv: 9,18
